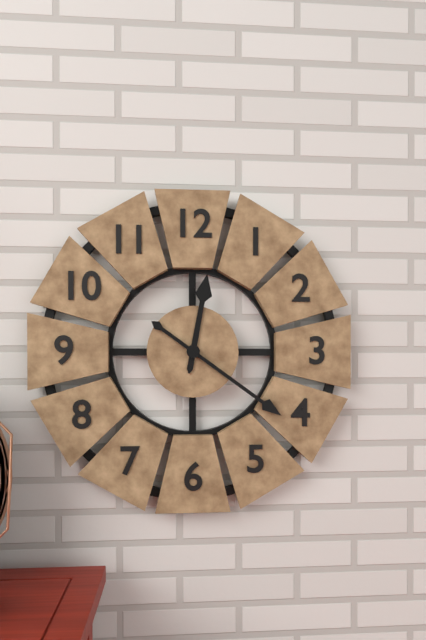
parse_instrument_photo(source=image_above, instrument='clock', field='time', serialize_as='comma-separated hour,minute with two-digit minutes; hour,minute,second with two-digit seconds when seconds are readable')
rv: 12,21
